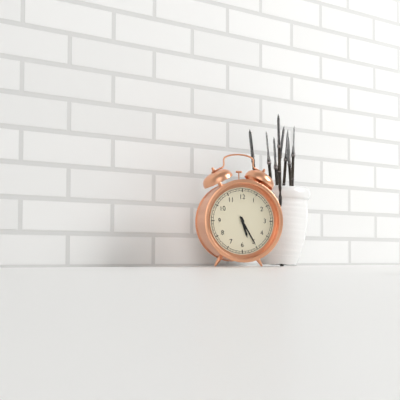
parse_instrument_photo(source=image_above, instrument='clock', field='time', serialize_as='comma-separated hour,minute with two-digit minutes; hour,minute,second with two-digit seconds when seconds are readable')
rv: 5,25
